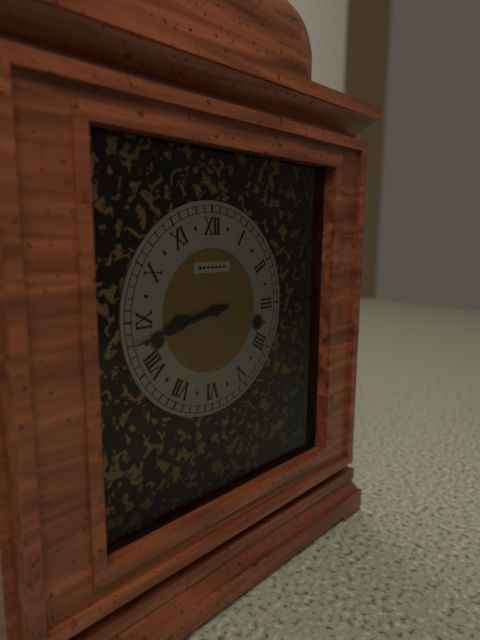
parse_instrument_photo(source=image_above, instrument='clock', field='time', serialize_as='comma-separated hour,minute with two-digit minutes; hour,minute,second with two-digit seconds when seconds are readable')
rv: 8,43
